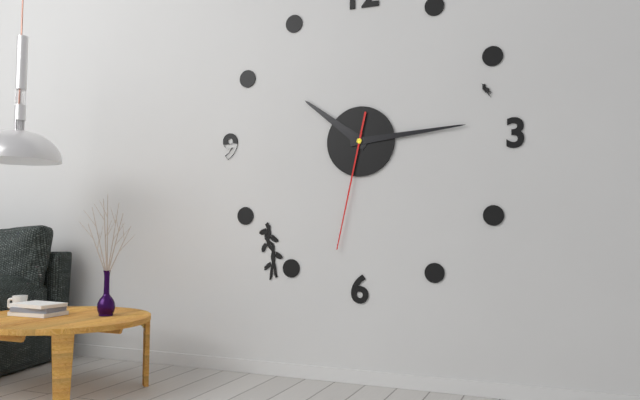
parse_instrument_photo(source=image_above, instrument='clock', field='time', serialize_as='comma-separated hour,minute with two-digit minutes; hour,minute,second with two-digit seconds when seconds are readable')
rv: 10,14,32
